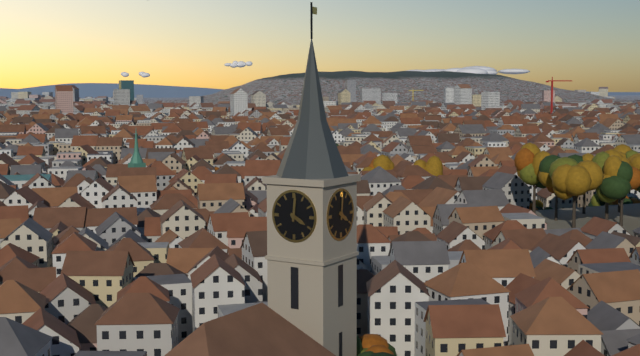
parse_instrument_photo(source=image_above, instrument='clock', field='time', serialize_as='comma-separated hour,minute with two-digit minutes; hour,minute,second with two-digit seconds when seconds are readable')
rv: 4,01
